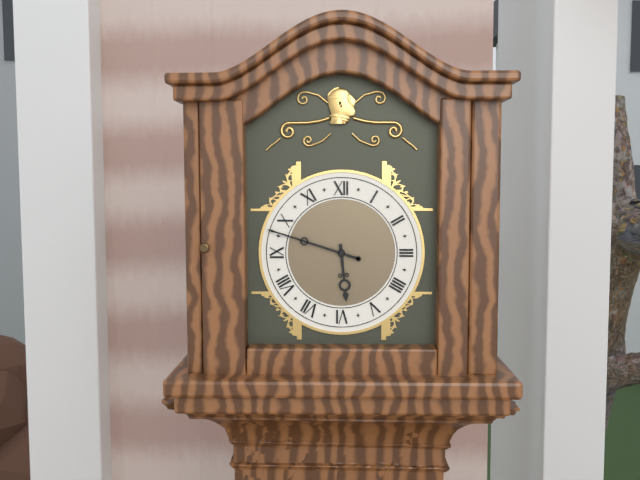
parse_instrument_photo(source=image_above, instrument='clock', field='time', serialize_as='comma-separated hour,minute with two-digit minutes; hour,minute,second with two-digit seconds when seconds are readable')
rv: 5,48
